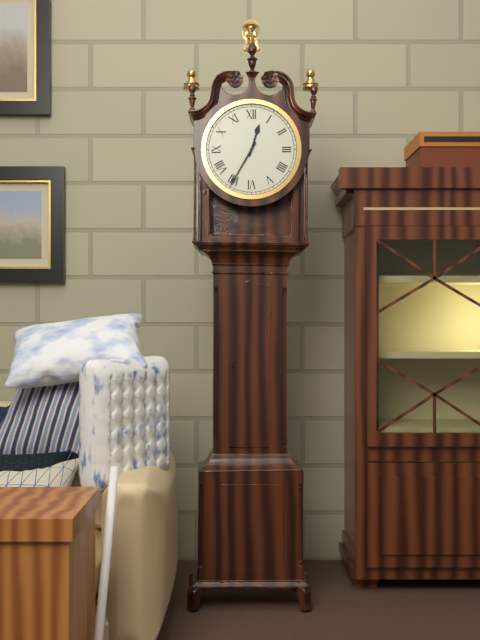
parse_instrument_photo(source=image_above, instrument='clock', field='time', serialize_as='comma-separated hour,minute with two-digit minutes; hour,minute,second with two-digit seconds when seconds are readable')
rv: 12,35
